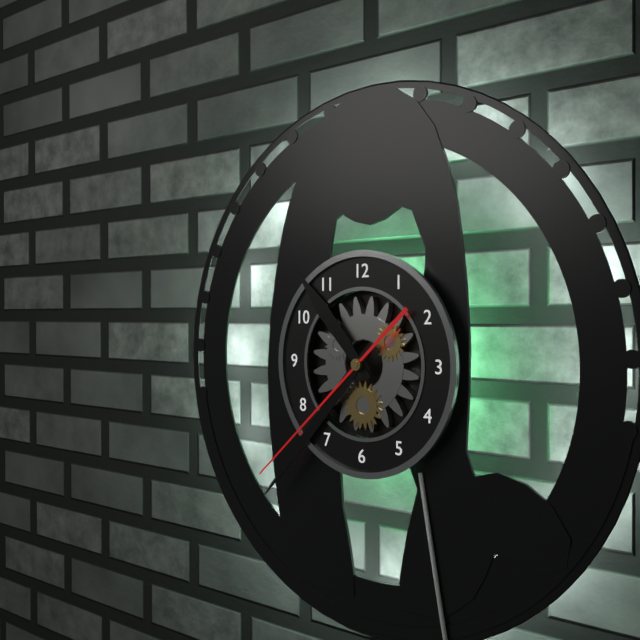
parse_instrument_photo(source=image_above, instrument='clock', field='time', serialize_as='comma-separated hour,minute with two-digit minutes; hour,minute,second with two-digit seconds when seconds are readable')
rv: 10,37,38
